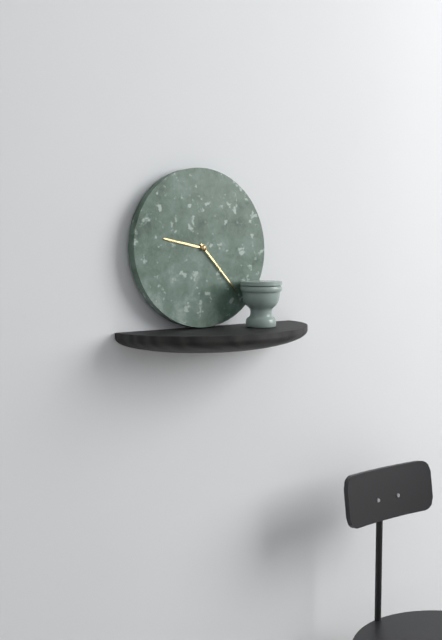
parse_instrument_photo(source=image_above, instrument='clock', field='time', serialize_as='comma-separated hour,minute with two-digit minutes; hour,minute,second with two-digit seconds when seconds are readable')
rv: 9,23
